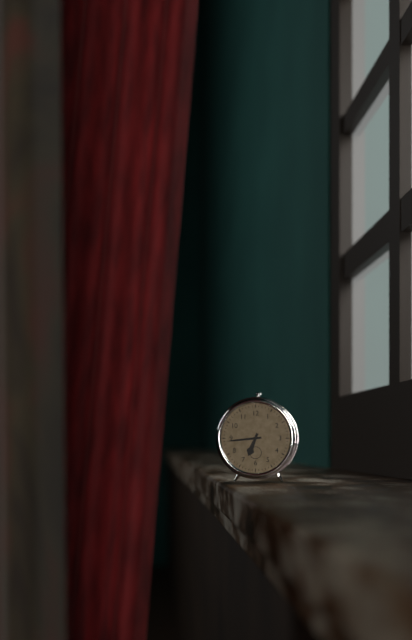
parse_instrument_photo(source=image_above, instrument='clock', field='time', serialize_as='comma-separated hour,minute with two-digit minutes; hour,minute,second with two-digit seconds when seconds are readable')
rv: 6,44
